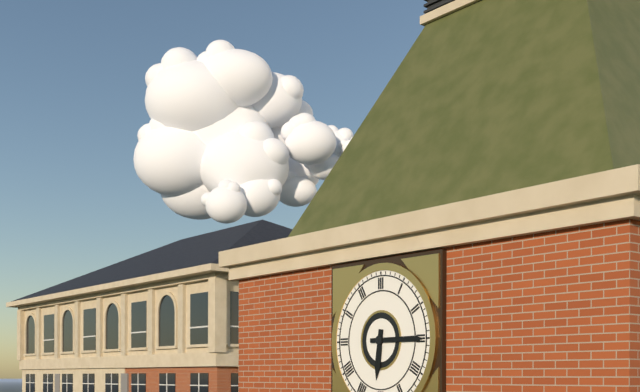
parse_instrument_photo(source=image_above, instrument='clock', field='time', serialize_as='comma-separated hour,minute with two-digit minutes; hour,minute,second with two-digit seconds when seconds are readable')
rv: 6,15
